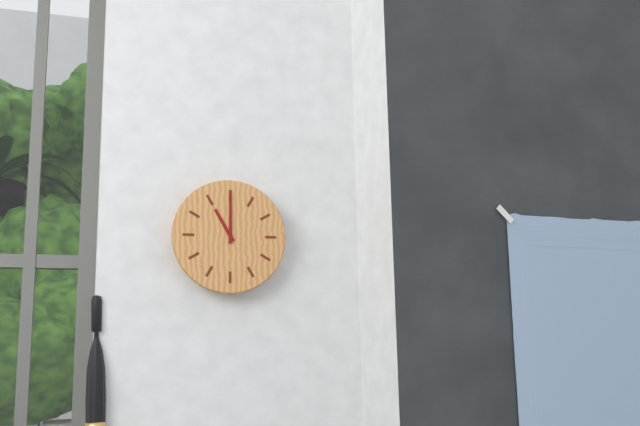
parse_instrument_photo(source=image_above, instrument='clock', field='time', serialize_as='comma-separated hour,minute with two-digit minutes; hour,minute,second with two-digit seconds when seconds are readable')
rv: 11,00
